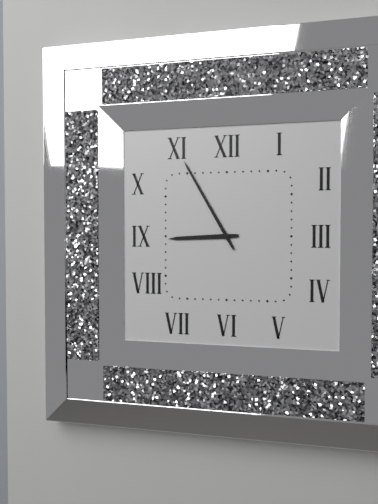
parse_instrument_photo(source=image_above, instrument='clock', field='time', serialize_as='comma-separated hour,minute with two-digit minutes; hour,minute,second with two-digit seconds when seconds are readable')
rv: 8,55
